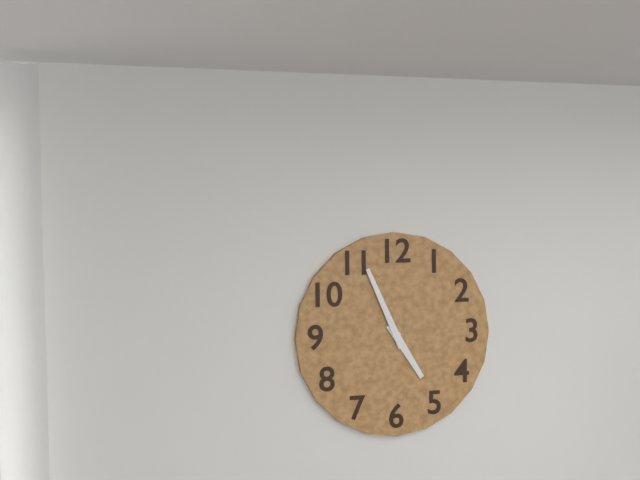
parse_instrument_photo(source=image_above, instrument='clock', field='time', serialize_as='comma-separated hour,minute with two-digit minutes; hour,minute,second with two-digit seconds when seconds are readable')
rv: 4,56
